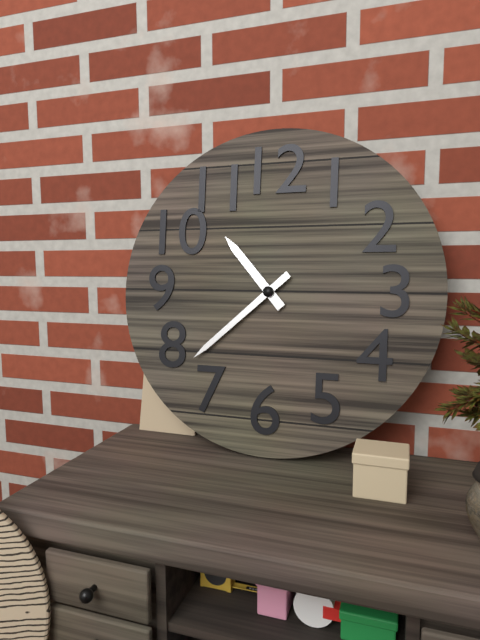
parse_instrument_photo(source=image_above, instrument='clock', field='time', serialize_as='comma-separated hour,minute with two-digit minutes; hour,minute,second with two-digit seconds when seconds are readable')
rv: 10,38
